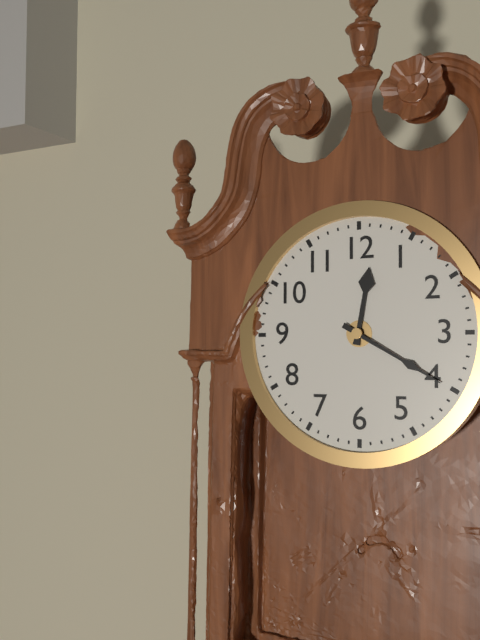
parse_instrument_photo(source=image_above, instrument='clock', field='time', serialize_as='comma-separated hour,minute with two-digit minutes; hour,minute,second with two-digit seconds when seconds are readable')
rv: 12,20
